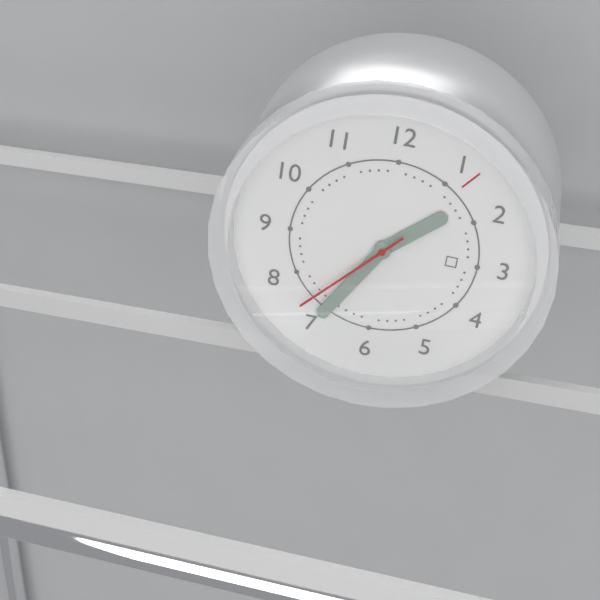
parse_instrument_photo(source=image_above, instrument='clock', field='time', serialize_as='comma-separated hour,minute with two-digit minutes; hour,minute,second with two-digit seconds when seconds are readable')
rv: 1,35,37
